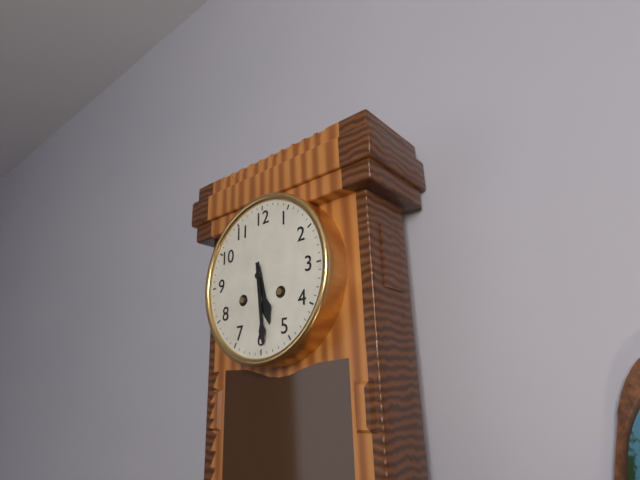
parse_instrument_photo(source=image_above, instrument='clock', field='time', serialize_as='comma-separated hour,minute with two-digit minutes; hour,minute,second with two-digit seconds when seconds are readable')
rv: 5,29
